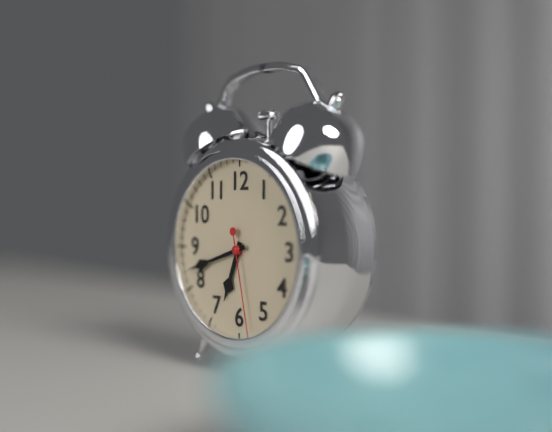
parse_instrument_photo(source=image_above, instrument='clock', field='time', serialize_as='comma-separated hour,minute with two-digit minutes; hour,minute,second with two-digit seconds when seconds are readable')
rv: 6,42,28
